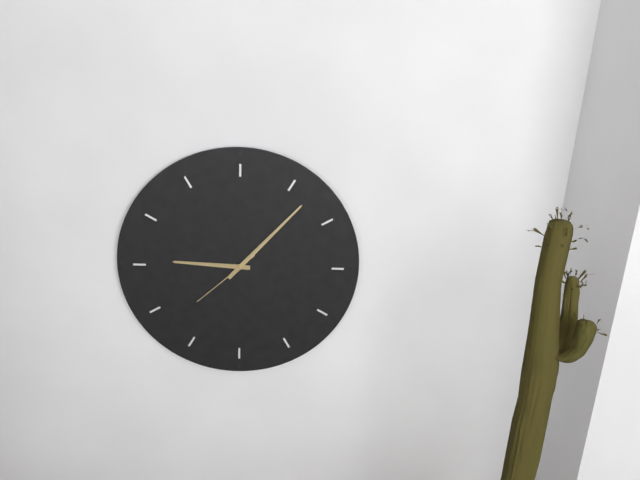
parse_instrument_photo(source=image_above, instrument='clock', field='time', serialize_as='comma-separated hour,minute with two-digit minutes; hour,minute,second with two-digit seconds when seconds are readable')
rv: 9,07,38
